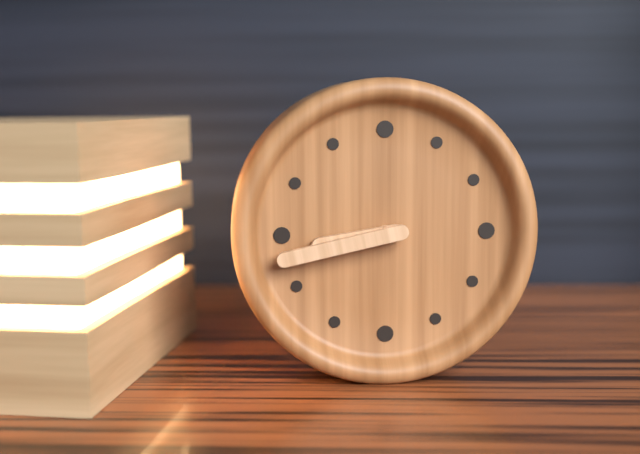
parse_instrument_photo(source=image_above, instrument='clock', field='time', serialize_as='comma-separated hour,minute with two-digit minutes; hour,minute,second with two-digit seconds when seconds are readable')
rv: 8,43
